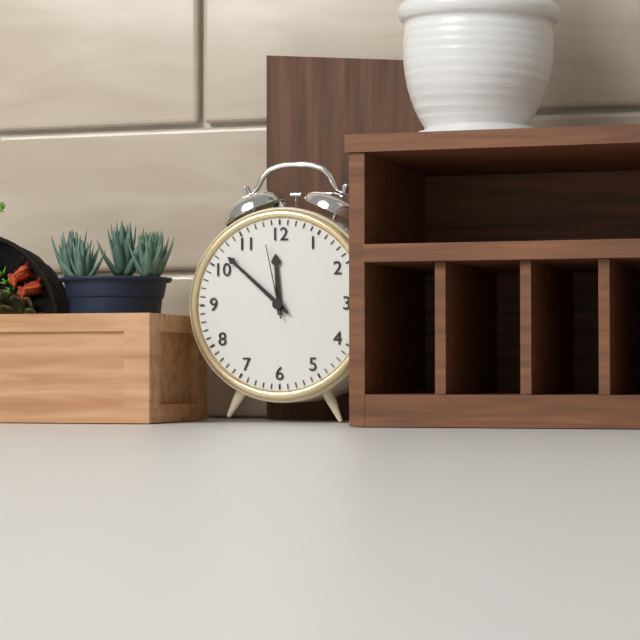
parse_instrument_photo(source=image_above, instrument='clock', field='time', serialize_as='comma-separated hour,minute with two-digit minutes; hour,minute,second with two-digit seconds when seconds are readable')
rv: 11,52,58
